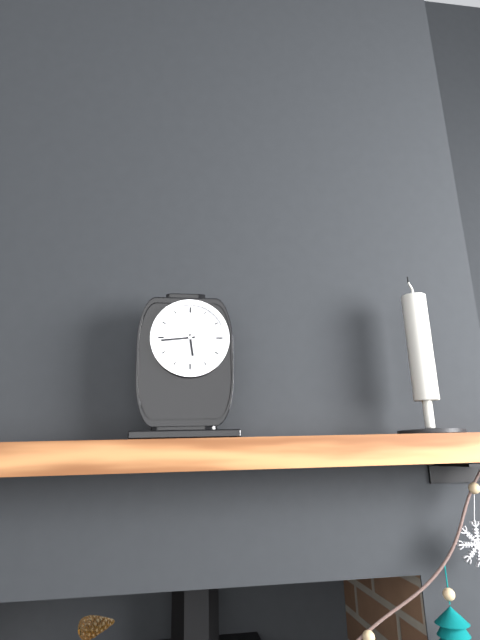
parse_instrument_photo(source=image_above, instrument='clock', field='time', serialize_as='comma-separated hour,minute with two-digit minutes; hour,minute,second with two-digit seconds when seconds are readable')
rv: 5,44
